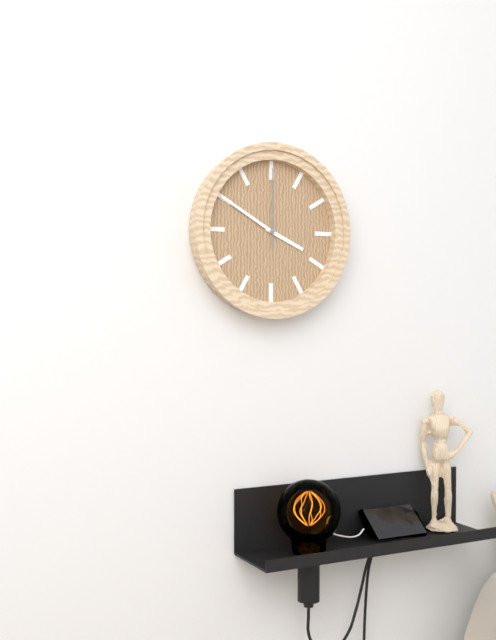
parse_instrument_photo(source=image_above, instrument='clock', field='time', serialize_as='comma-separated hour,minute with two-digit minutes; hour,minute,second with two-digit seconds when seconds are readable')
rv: 3,50,00
